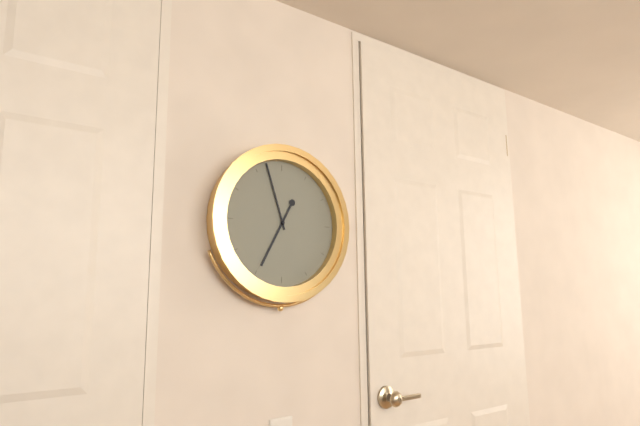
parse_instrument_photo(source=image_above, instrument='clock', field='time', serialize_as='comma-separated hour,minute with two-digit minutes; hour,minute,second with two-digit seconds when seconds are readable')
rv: 6,57
